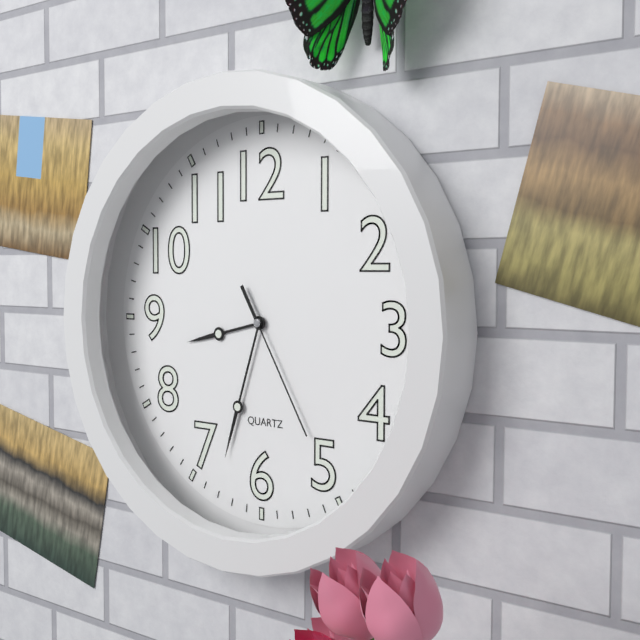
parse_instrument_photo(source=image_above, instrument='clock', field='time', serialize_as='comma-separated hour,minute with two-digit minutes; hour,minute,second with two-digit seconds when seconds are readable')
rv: 8,33,25
